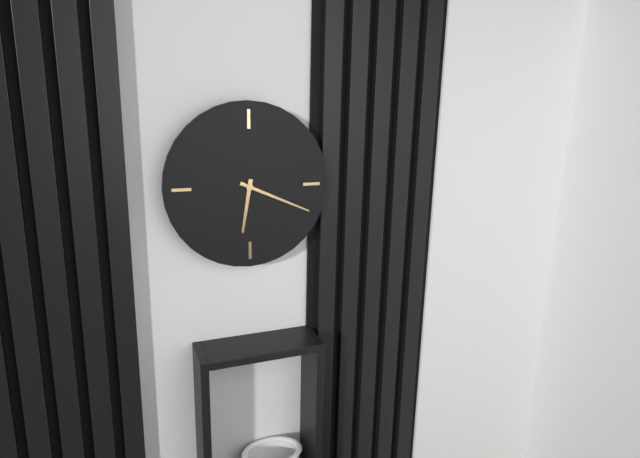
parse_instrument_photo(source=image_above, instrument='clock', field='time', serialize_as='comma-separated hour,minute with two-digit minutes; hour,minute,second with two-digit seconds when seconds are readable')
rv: 6,19
